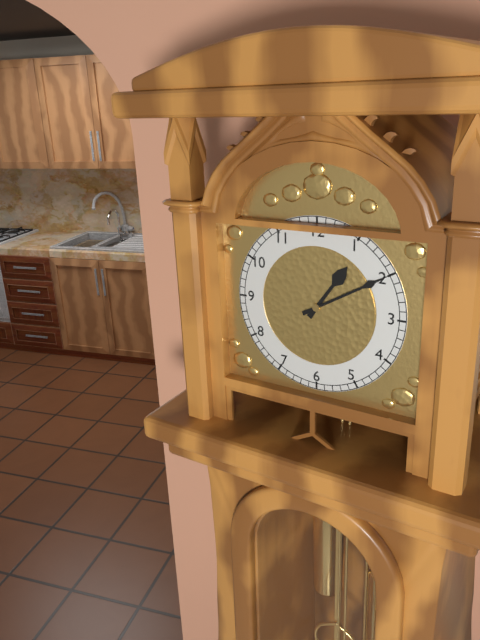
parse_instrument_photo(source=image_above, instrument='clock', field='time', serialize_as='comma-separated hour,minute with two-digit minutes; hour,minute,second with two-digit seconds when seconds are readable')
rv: 1,10
